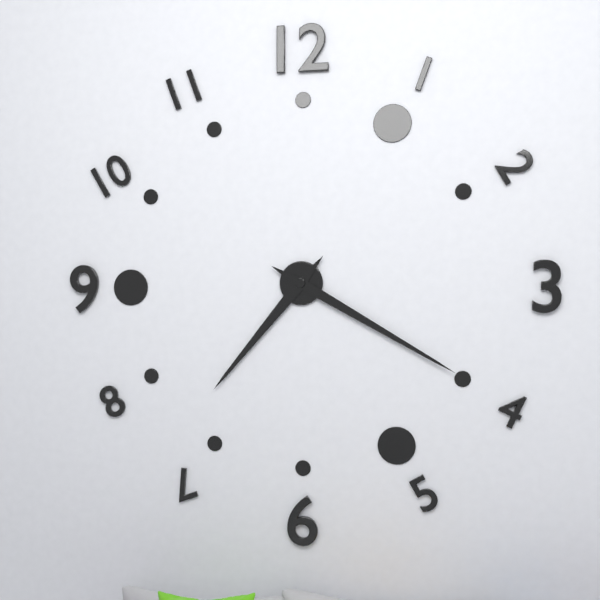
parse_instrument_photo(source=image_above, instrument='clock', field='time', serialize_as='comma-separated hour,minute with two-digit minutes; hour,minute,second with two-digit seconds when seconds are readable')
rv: 7,20
